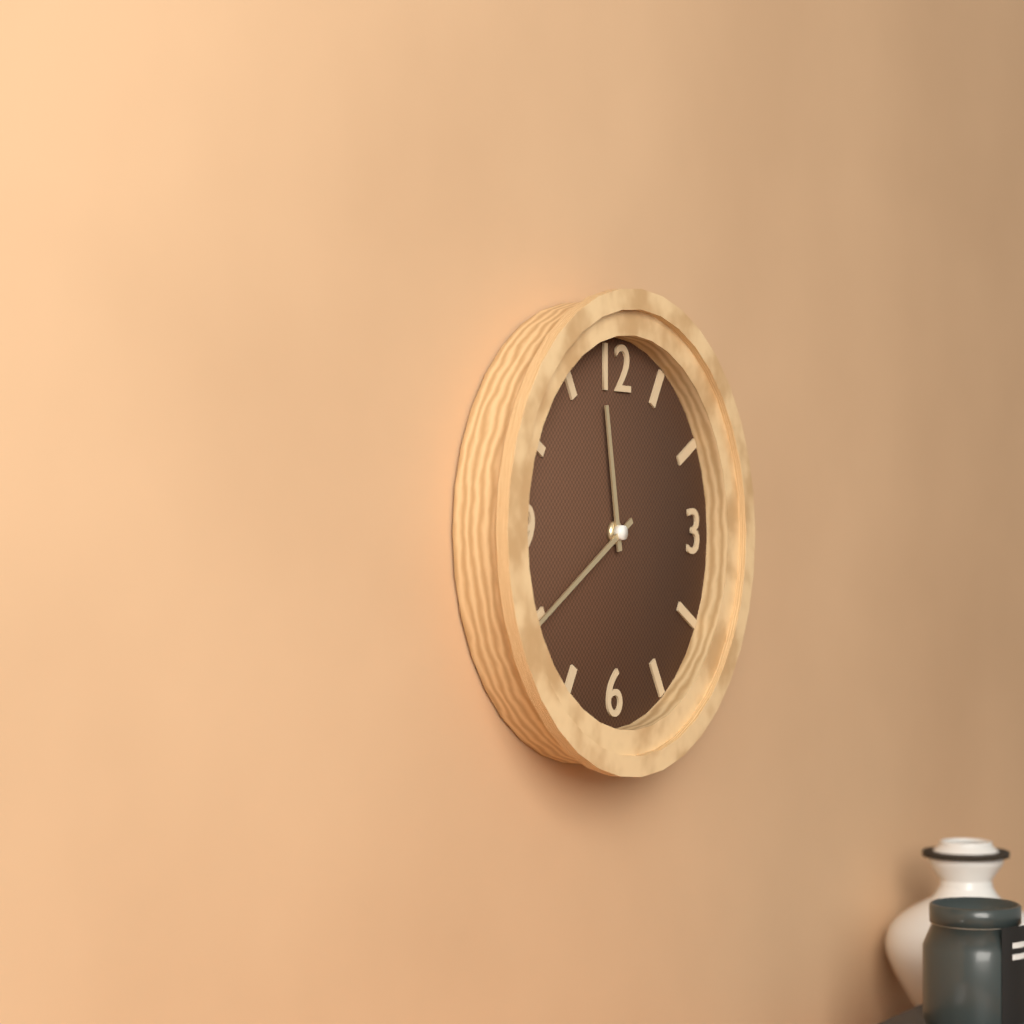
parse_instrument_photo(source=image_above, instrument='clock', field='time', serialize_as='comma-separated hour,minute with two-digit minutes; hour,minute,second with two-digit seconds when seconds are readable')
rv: 11,40
